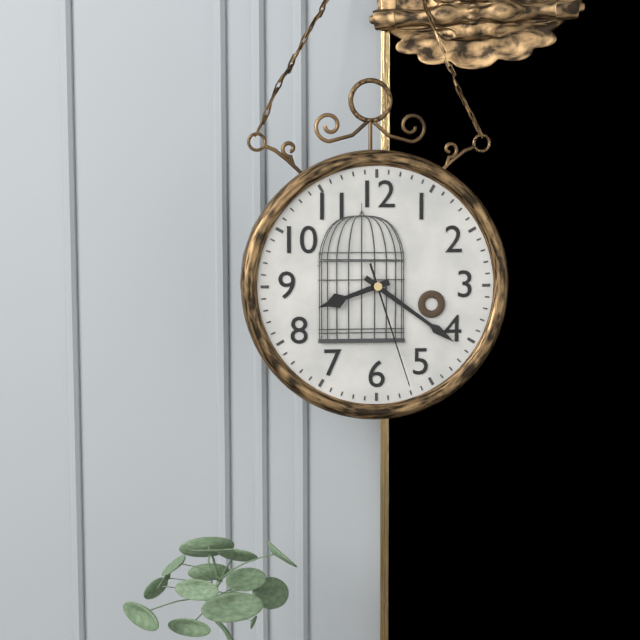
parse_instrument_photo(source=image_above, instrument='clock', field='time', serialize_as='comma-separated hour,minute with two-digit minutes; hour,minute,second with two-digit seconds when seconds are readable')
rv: 8,21,27
